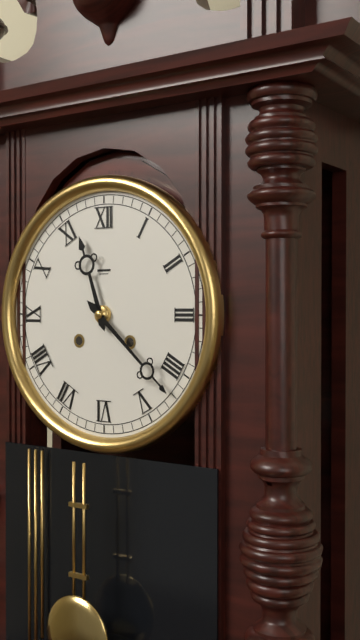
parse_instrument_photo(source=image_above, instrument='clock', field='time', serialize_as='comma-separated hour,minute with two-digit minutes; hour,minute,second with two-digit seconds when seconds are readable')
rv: 11,22
